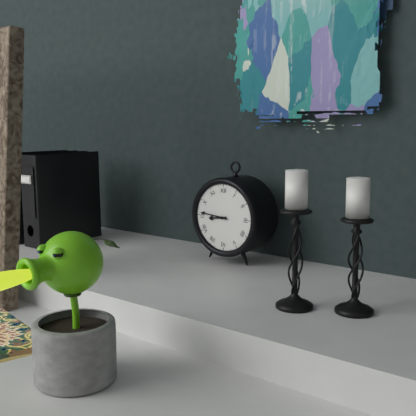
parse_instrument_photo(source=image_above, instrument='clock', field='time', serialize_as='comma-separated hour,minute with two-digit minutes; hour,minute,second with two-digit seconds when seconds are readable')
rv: 8,46
